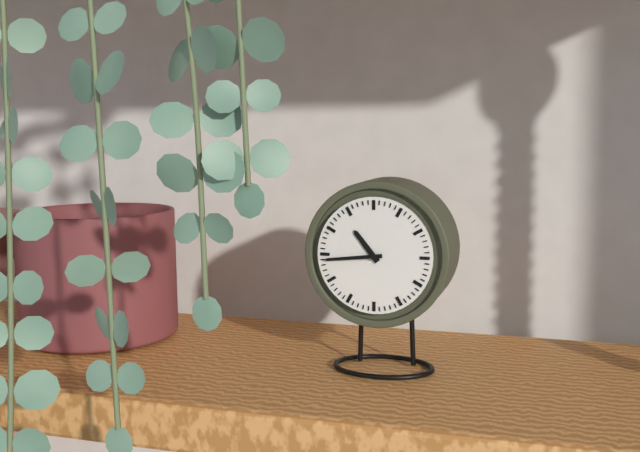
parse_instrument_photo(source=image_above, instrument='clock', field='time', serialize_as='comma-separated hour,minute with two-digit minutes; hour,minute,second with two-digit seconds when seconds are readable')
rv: 10,44
